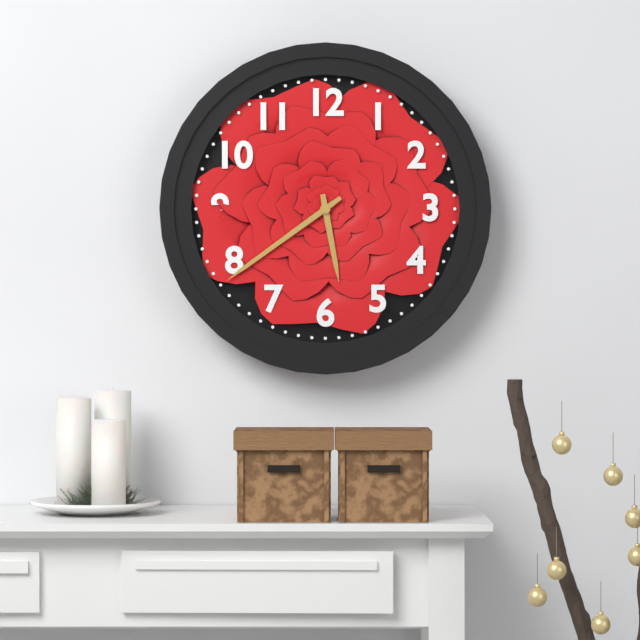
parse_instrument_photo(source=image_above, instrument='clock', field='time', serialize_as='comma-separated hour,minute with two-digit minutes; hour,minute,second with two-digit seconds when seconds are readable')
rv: 5,39
